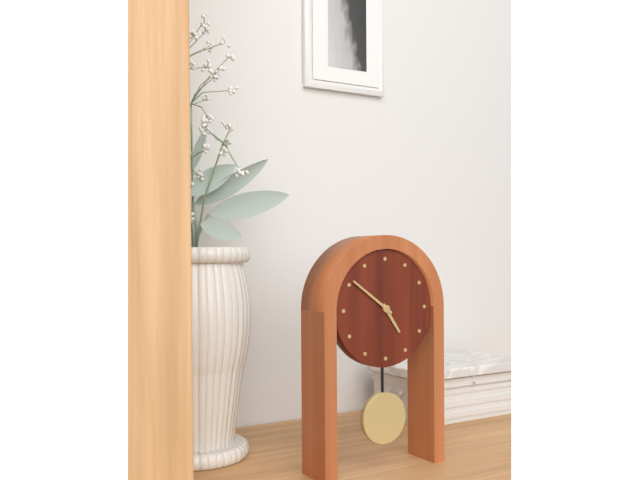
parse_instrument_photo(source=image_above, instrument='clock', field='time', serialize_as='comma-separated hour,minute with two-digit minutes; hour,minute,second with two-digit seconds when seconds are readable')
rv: 4,51
